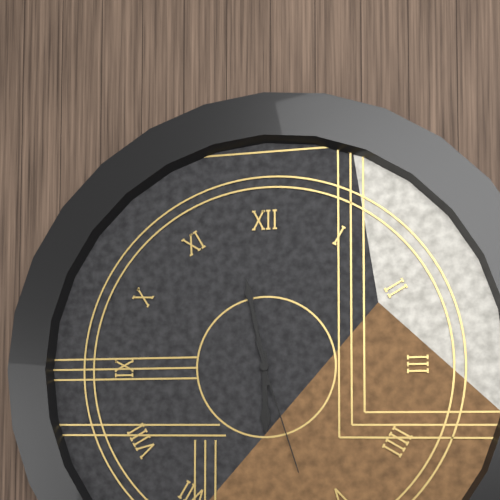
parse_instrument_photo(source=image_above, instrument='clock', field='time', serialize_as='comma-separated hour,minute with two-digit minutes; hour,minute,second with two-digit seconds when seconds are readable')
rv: 5,58,27
